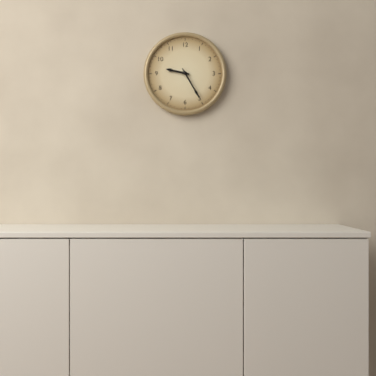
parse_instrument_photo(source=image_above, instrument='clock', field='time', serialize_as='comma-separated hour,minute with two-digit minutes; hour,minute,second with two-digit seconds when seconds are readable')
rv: 9,25
